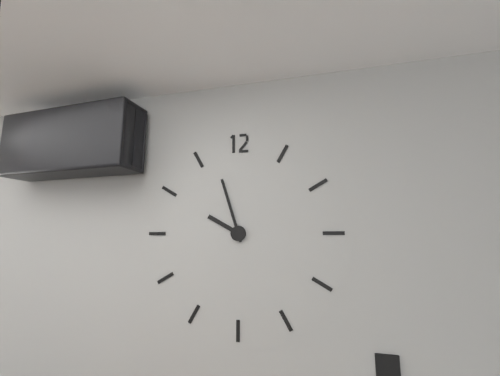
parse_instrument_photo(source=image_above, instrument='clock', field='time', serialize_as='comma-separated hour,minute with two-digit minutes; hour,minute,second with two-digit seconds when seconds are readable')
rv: 9,57
